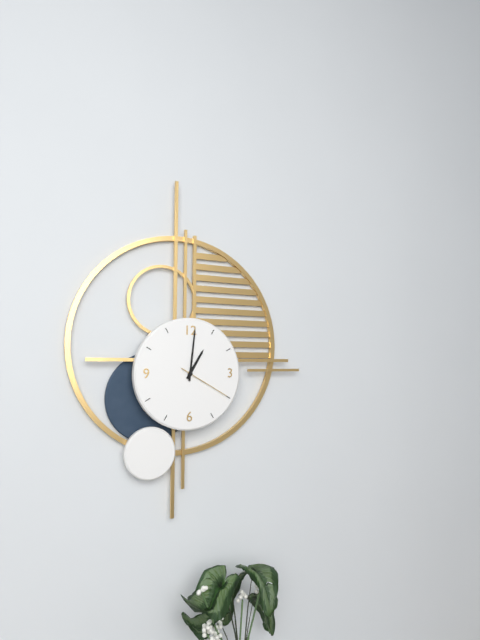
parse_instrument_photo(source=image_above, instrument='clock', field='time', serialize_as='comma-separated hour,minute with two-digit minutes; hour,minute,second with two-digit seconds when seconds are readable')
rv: 1,01,20
